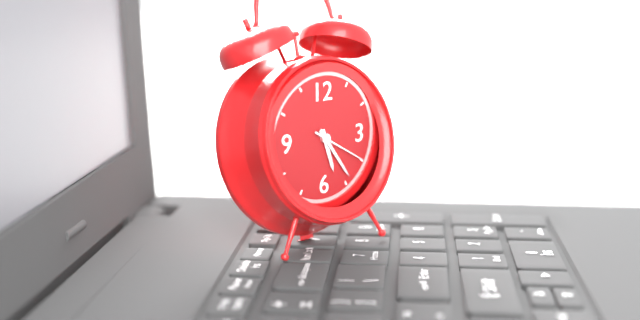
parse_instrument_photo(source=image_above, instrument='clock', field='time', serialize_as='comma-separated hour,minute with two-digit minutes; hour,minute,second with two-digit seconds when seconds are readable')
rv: 5,24,20
